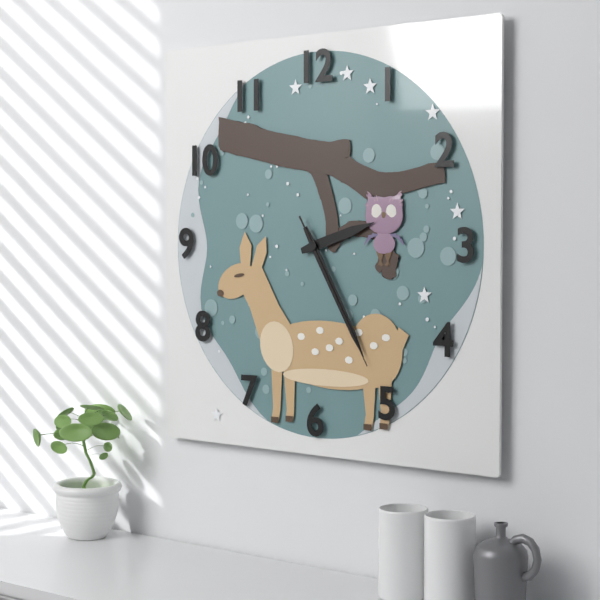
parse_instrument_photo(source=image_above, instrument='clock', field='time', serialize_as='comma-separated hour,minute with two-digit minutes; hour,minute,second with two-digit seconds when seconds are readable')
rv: 2,25,25
